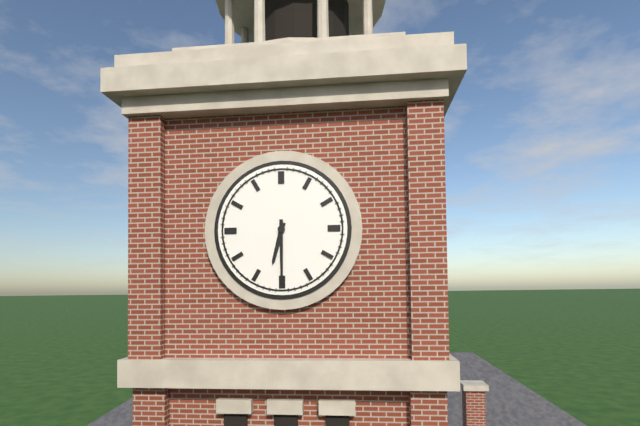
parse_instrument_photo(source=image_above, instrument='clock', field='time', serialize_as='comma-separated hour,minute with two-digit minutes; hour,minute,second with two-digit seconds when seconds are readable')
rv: 6,30
